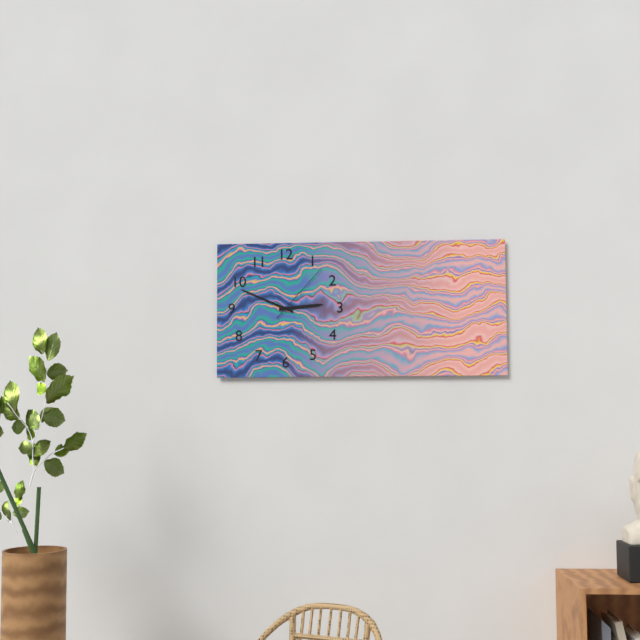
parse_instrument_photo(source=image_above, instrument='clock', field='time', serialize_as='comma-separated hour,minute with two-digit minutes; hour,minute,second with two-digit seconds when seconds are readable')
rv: 2,49,07
